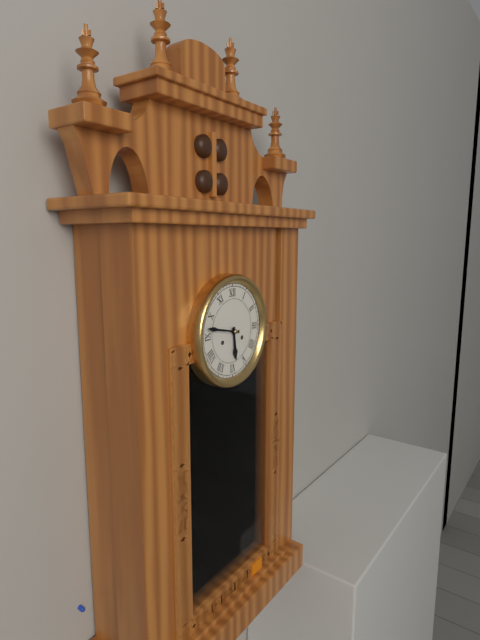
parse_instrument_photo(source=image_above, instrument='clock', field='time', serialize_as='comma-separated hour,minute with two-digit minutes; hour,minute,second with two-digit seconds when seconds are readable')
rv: 5,47
